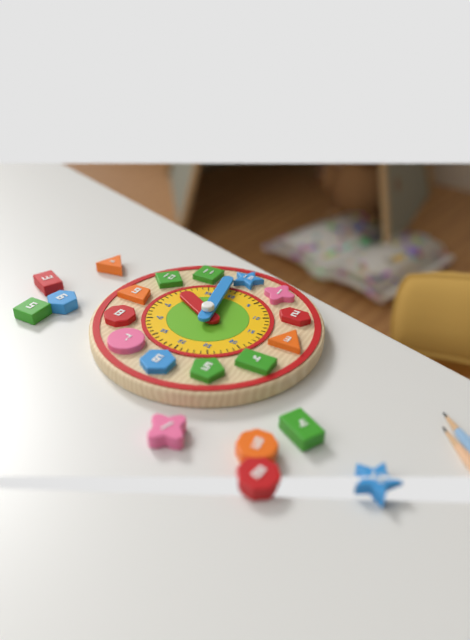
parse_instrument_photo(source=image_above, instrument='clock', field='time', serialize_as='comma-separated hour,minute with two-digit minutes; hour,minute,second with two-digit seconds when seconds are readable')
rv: 9,58
